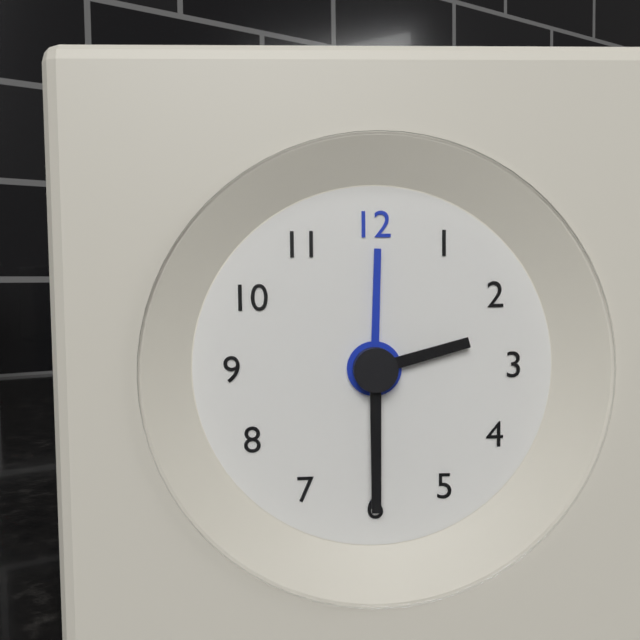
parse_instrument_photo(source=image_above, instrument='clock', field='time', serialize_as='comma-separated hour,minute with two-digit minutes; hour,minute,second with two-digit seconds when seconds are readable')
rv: 2,30
